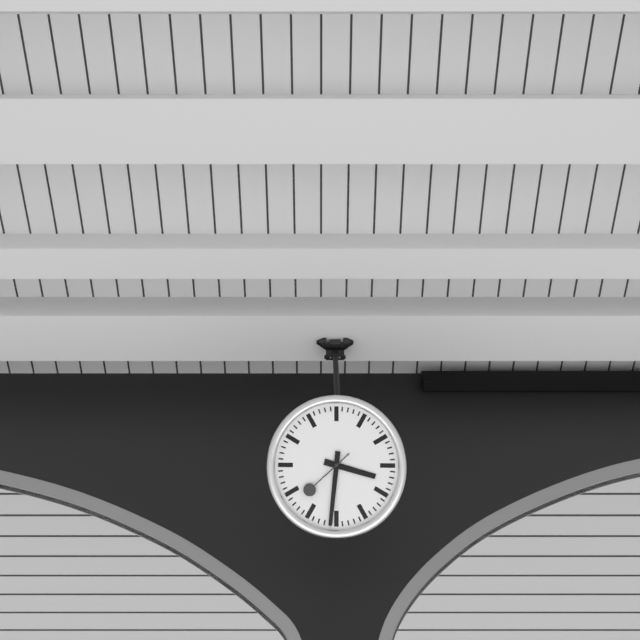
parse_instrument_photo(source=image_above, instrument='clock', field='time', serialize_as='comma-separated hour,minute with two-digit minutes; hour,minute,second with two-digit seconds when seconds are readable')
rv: 3,31,38
